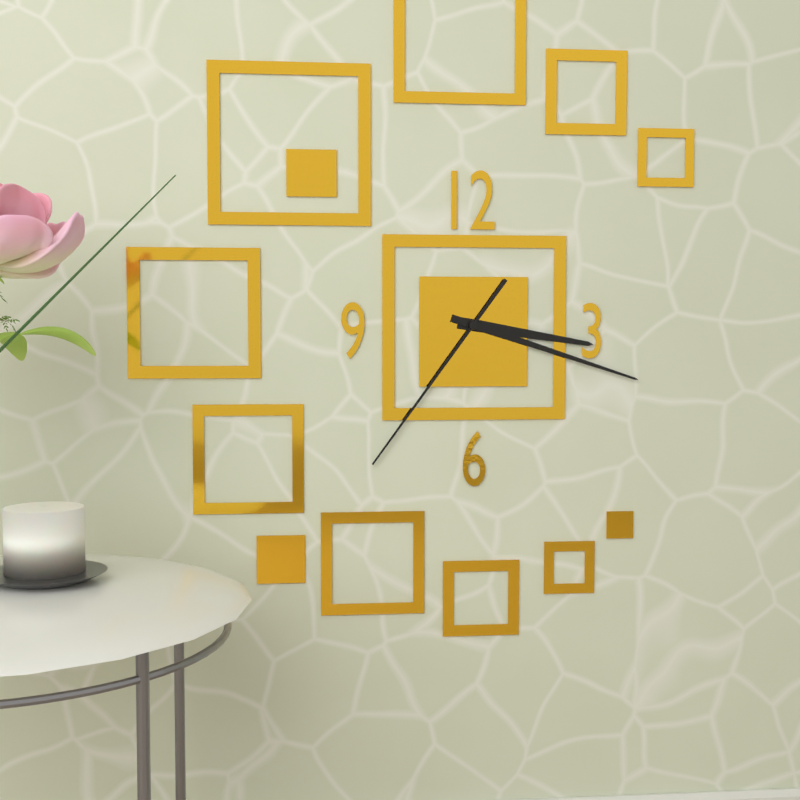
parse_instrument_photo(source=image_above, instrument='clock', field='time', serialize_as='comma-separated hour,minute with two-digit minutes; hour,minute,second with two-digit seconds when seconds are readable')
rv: 3,18,36
